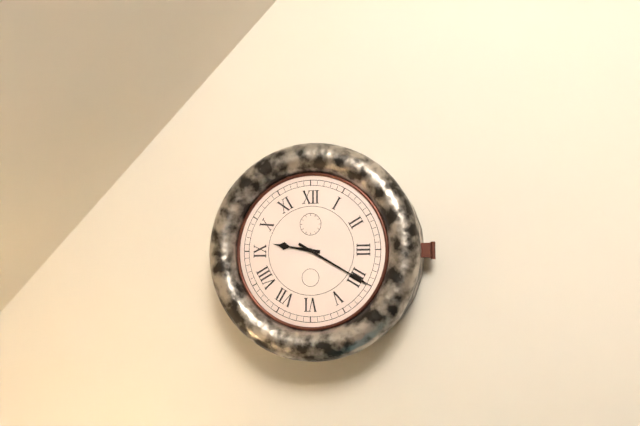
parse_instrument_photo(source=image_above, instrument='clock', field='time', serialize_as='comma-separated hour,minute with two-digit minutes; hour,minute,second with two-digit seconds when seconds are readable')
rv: 9,20
